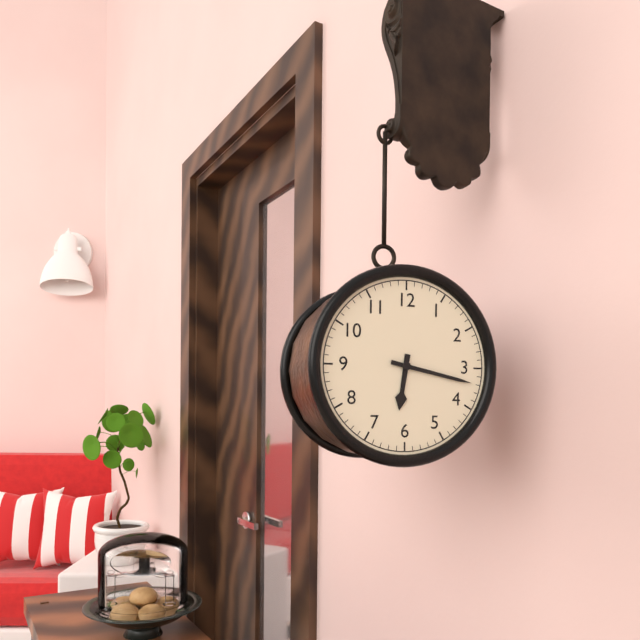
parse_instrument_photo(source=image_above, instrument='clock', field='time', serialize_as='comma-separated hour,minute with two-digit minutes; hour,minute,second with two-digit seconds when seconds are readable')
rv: 6,17
